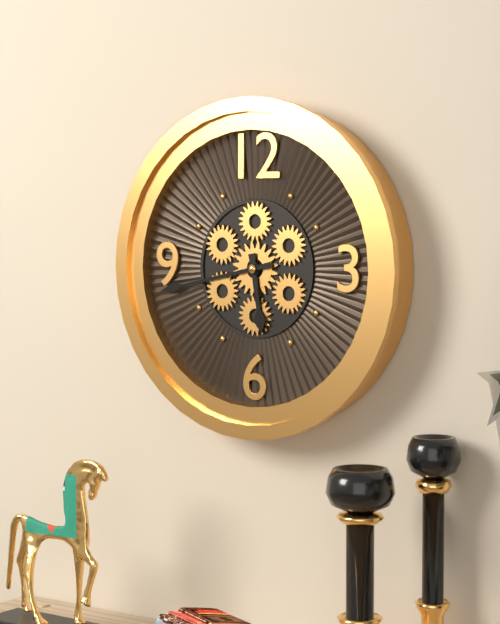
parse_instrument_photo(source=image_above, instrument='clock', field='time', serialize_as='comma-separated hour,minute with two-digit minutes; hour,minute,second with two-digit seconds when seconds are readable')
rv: 5,43
